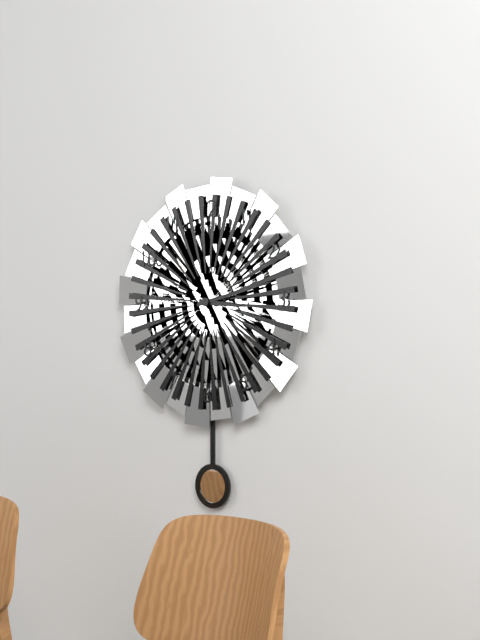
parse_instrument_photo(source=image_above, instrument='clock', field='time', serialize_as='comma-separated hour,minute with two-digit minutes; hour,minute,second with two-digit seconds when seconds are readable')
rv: 3,13
